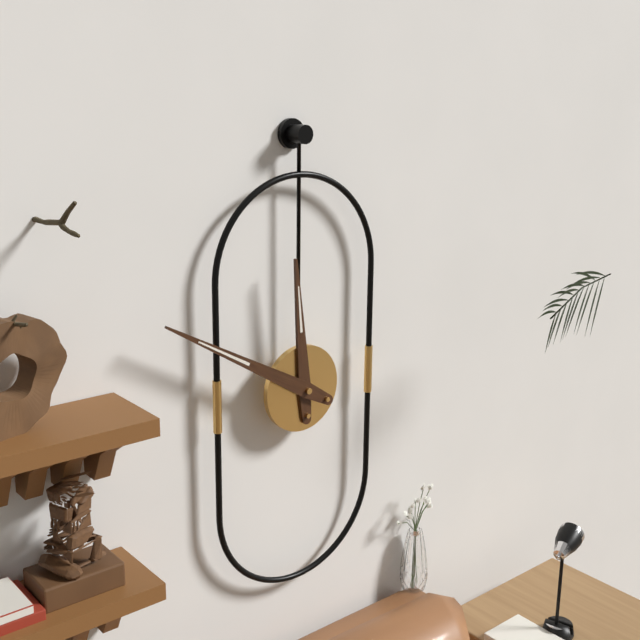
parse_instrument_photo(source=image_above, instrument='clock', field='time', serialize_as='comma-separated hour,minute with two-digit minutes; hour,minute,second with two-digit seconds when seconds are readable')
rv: 11,50
